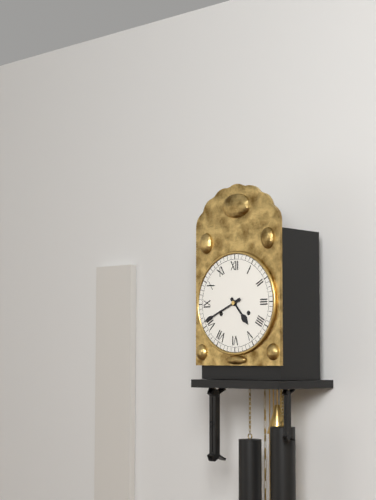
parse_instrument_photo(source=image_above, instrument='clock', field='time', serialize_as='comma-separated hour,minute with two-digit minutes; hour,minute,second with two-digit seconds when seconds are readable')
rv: 4,41
